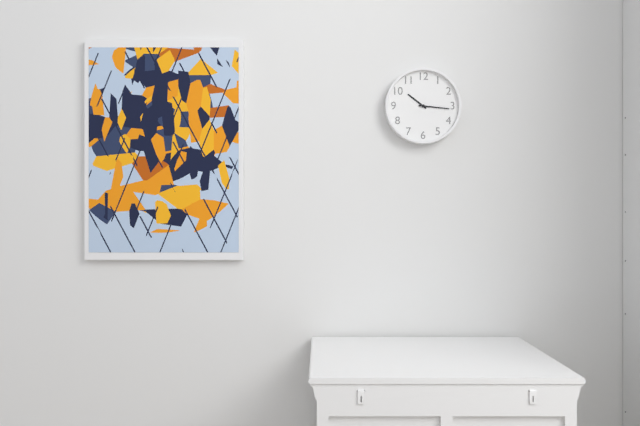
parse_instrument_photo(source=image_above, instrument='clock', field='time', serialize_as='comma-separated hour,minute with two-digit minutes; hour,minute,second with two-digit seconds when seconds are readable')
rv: 10,16
